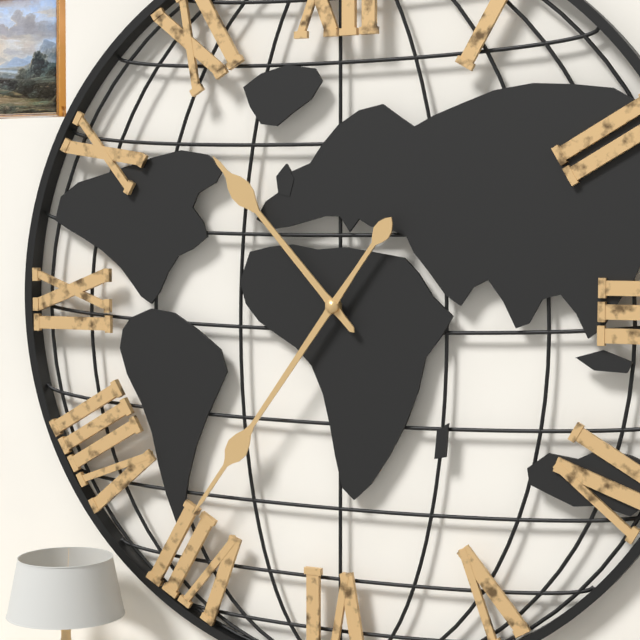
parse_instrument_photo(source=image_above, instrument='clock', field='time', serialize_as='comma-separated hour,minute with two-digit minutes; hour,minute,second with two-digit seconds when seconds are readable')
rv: 10,36
